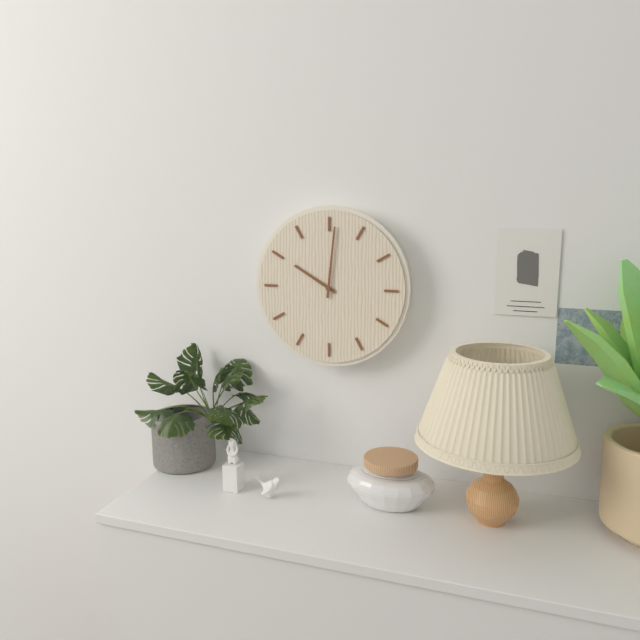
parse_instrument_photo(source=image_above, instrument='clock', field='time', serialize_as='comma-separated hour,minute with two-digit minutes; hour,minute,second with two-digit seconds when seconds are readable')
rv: 10,01
